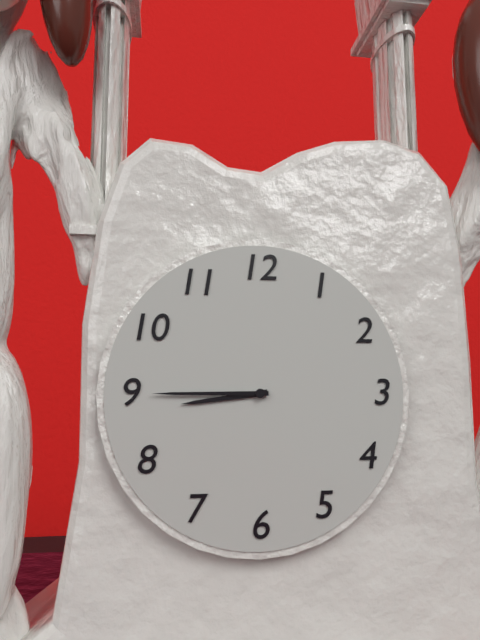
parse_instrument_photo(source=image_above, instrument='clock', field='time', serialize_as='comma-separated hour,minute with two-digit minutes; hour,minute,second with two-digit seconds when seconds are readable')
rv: 8,45
